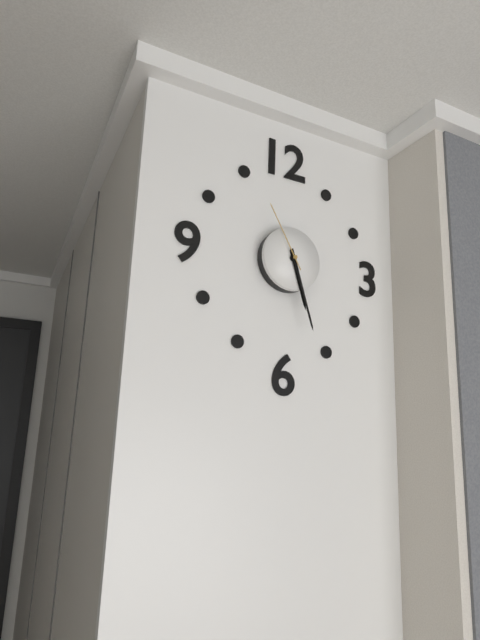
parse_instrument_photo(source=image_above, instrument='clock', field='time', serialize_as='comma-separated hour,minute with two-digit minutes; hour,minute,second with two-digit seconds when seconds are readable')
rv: 5,27,55
